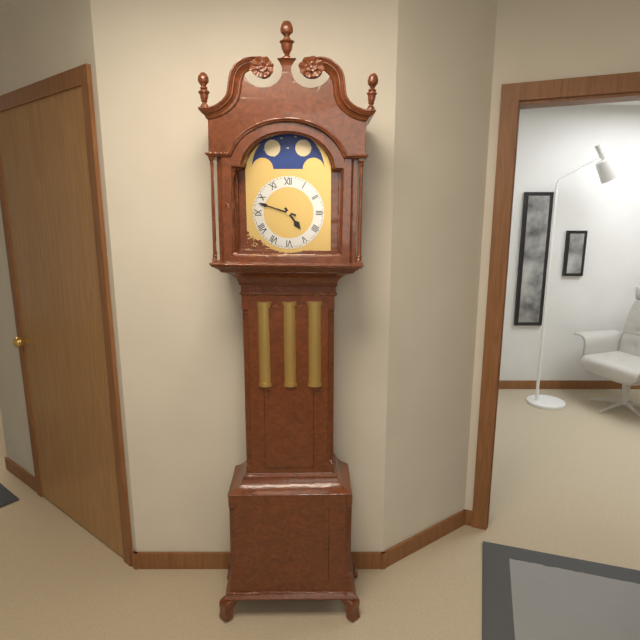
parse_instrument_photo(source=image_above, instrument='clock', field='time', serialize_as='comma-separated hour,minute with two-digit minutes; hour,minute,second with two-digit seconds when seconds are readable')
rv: 4,48
